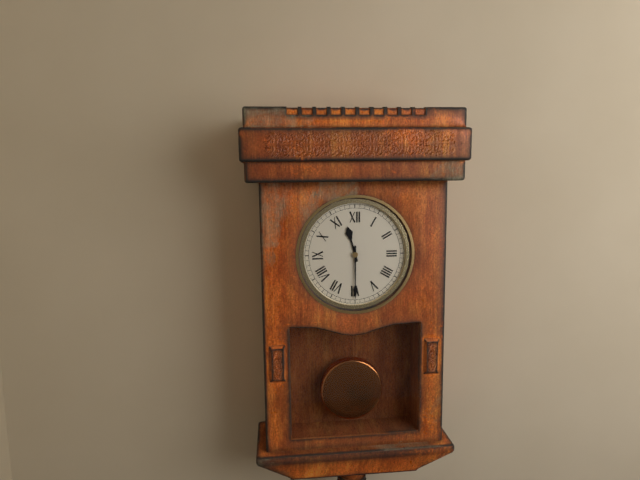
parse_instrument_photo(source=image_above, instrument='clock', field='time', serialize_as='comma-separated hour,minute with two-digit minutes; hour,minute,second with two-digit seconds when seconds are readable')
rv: 11,30
